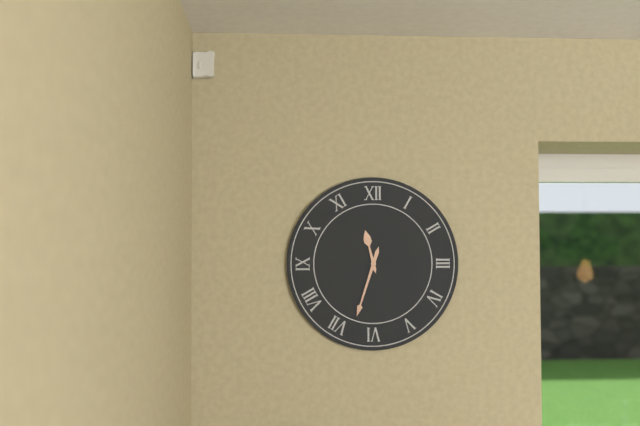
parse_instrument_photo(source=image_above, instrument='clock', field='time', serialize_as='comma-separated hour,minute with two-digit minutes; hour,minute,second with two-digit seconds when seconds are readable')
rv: 11,33
